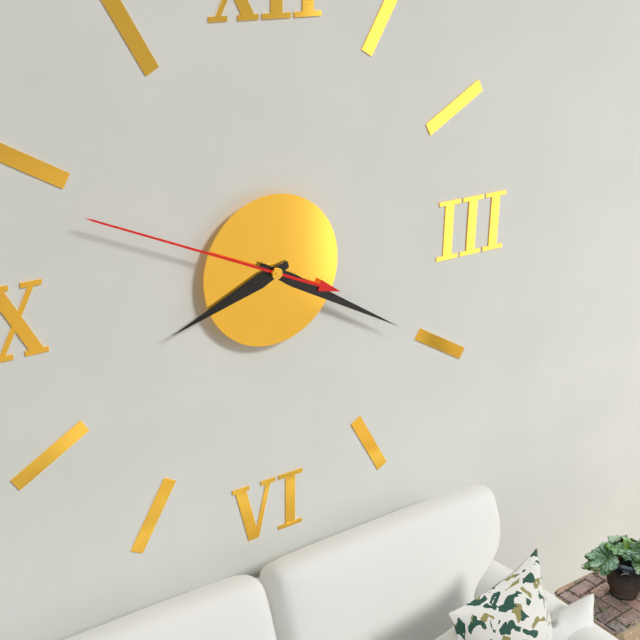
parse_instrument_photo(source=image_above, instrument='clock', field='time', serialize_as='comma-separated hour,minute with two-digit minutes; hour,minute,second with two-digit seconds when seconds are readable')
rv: 8,20,49
